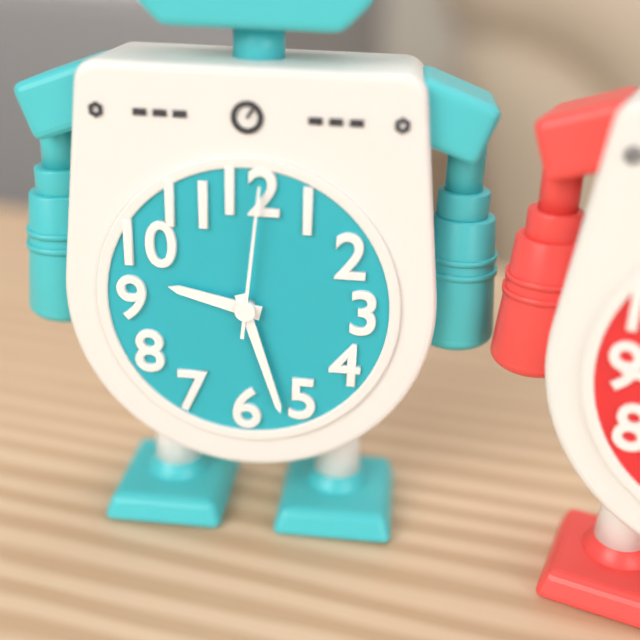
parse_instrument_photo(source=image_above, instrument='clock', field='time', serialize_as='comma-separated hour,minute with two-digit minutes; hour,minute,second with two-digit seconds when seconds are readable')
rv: 9,27,01
